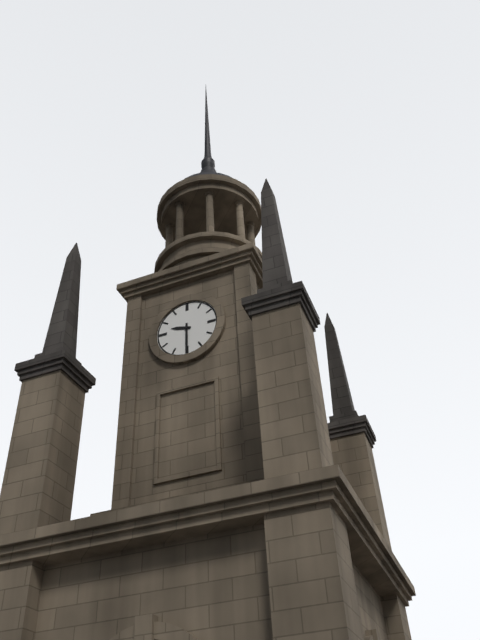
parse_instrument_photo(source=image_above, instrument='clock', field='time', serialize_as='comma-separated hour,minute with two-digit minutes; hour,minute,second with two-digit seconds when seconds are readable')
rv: 9,30
